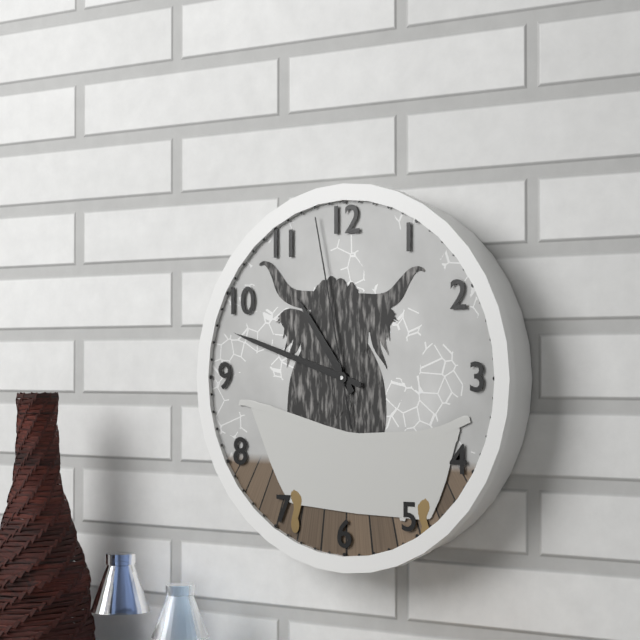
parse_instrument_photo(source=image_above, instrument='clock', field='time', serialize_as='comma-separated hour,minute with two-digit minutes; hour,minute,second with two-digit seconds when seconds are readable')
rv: 10,48,58
